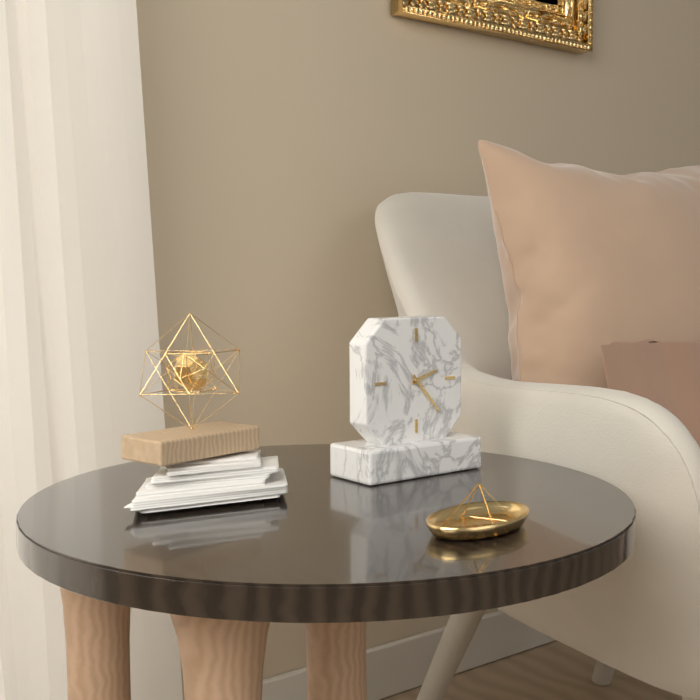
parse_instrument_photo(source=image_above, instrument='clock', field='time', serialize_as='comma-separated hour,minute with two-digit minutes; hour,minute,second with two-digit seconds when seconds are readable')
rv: 2,23
